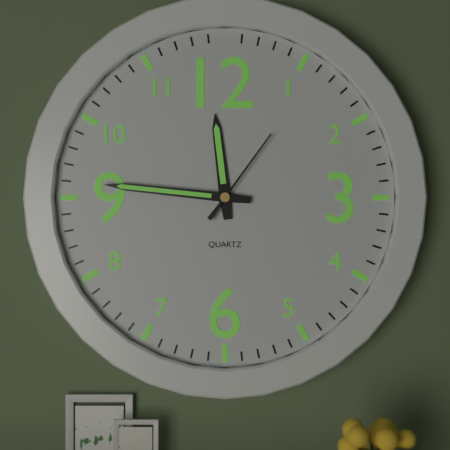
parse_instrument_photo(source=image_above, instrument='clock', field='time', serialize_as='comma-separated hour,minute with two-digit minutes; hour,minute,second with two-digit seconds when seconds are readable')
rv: 11,46,06
